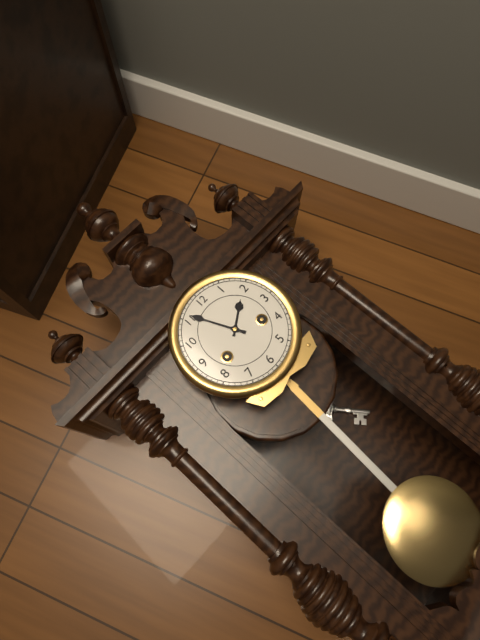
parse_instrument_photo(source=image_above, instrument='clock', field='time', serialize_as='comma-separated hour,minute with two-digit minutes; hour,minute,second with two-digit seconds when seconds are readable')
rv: 1,56
